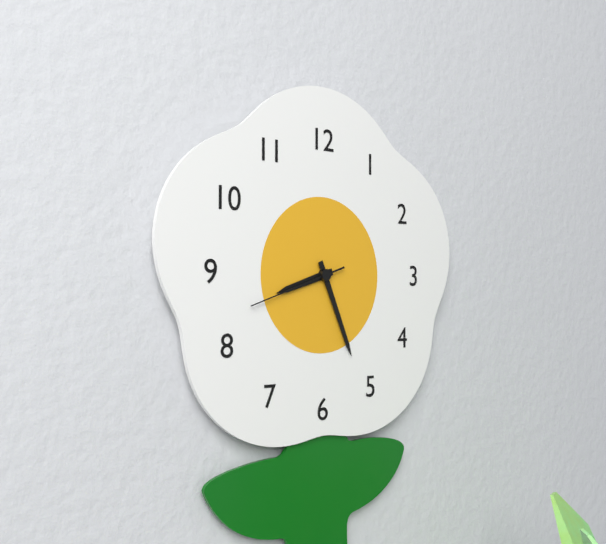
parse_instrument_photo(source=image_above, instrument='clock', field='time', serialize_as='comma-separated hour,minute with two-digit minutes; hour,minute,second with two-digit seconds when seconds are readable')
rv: 8,26,42
